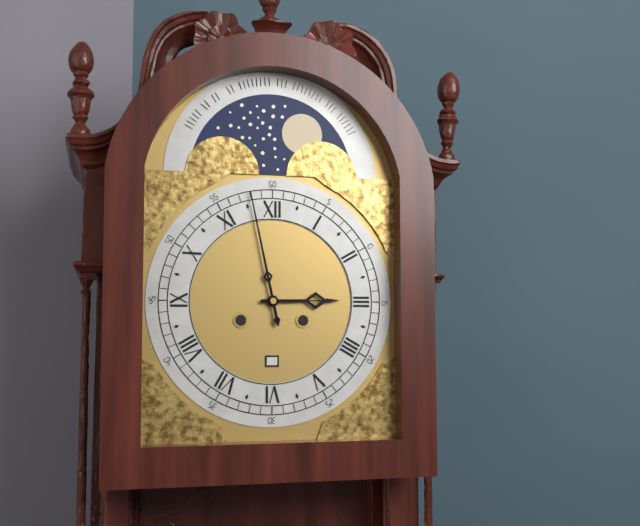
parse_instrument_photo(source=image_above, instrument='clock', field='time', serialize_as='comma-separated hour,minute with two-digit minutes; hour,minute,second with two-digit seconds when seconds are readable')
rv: 2,58
